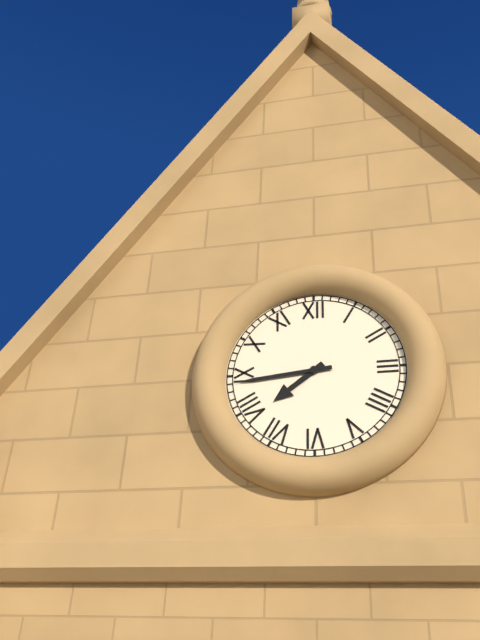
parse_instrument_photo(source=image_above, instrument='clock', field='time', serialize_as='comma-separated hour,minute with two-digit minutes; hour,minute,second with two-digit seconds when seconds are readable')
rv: 7,44
